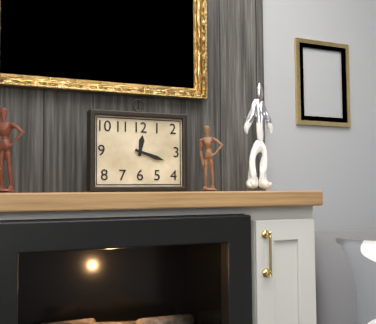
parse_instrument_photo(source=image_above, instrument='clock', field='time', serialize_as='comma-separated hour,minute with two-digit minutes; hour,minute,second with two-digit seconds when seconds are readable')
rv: 12,18
